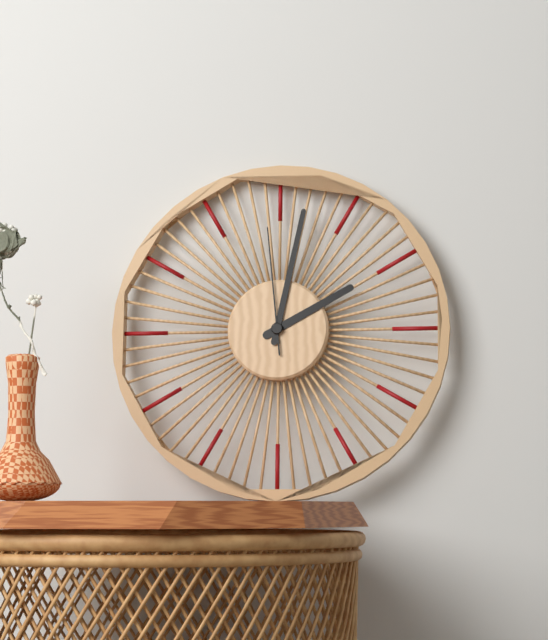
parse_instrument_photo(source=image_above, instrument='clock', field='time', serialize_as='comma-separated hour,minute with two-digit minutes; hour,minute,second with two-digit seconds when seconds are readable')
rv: 2,02,59
